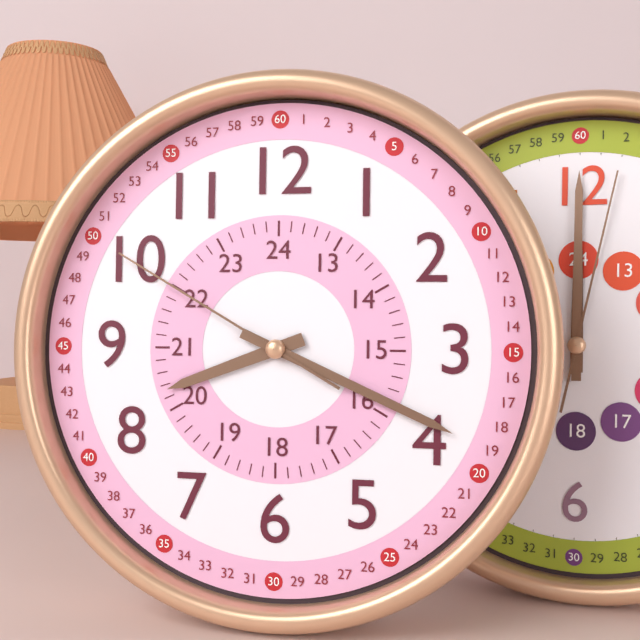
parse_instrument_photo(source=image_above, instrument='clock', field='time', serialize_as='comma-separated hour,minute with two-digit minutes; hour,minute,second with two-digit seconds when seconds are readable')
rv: 8,19,50
